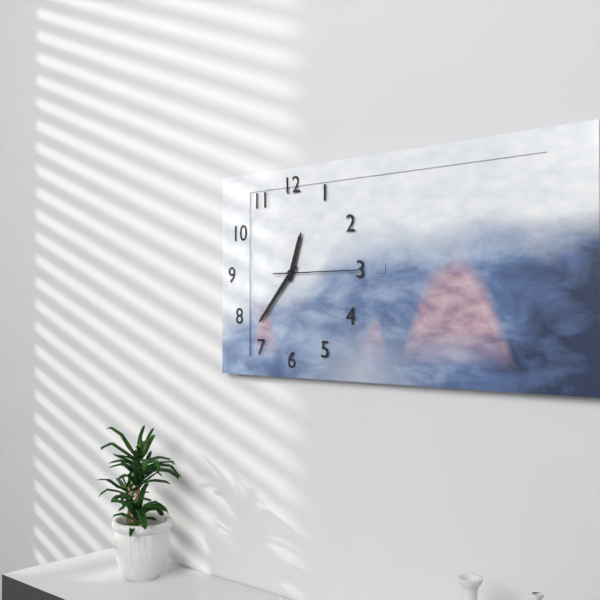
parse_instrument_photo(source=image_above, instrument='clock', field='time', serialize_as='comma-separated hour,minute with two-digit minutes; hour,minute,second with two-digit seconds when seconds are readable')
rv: 12,37,15
